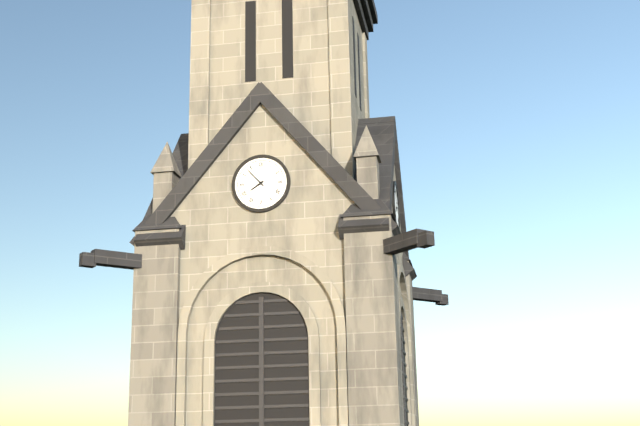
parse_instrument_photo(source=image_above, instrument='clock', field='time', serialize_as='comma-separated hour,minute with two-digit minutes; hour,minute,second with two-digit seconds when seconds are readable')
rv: 7,53
